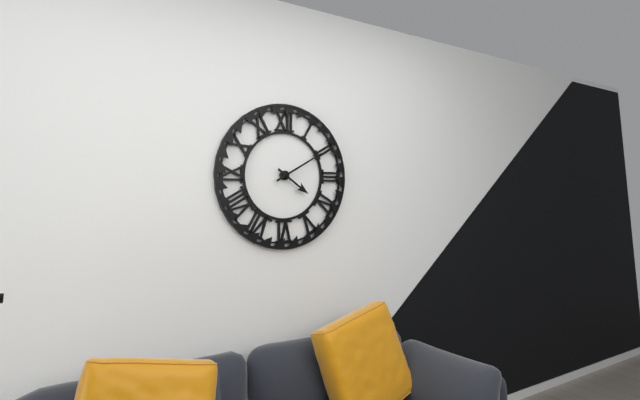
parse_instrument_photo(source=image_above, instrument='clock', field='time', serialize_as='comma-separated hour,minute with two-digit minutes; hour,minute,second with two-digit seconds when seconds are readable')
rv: 4,10
